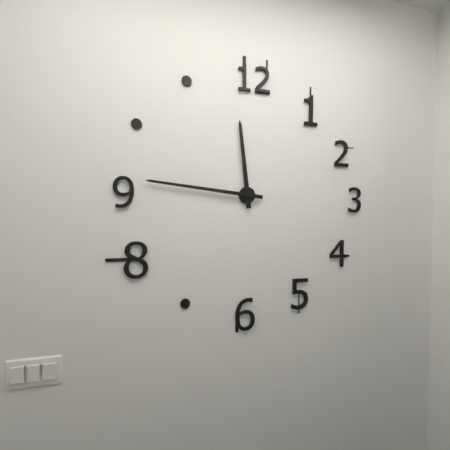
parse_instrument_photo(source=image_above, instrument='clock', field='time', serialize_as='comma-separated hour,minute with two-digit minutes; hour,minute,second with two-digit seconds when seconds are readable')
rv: 11,46
